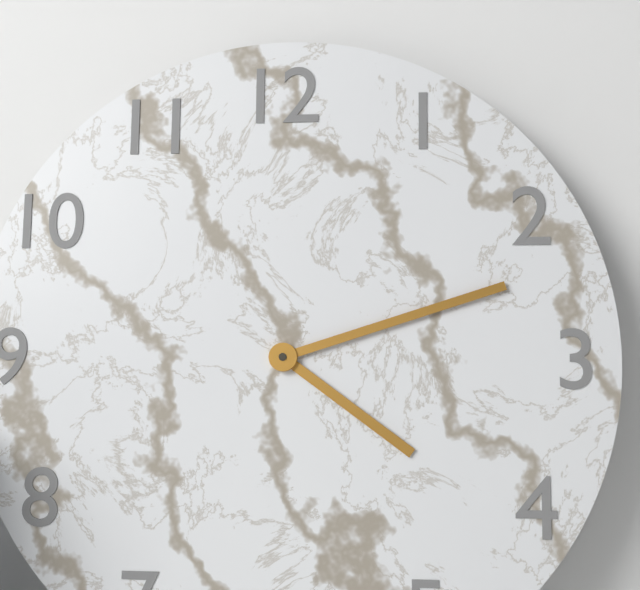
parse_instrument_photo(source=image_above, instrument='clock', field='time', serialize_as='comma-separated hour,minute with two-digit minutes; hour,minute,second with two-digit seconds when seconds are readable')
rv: 4,12
